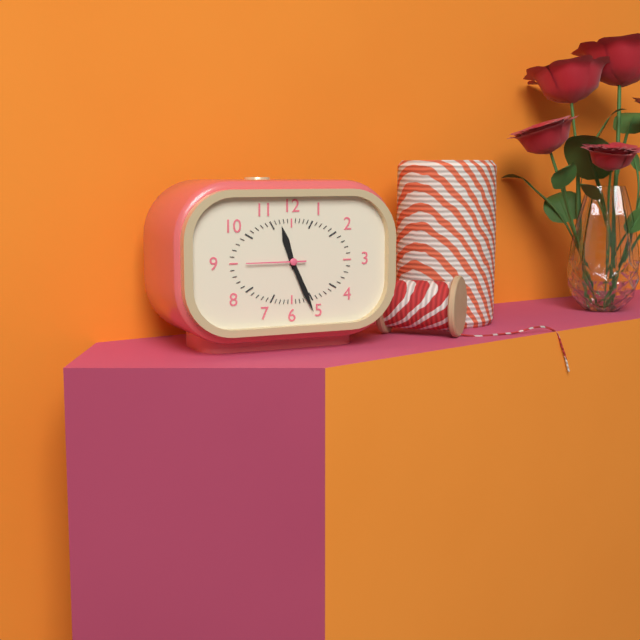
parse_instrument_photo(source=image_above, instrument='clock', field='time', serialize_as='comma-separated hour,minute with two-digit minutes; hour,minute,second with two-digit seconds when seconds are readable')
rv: 11,26,45
